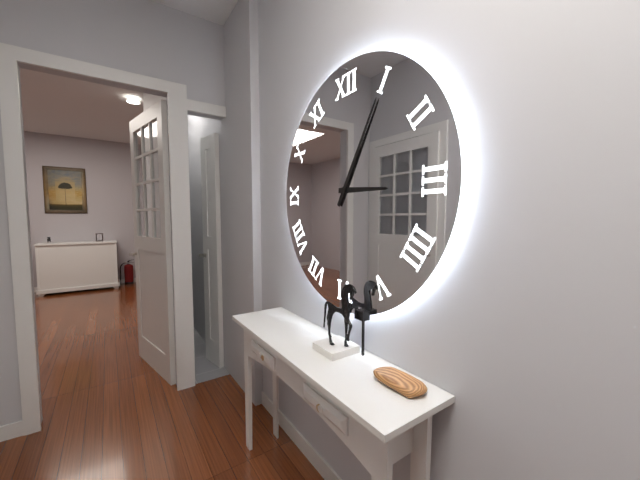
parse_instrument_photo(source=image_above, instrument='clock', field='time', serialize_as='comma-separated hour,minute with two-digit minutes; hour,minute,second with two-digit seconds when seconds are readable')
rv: 3,05
